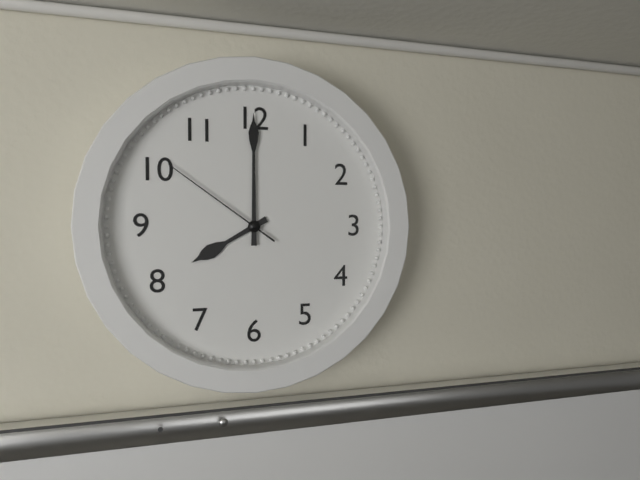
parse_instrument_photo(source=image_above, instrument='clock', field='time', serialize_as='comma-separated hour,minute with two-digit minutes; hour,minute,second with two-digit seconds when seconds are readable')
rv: 8,00,51
